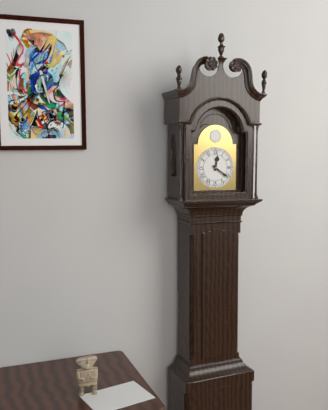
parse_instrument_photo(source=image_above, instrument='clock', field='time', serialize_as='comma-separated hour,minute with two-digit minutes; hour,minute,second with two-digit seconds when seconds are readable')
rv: 12,21
